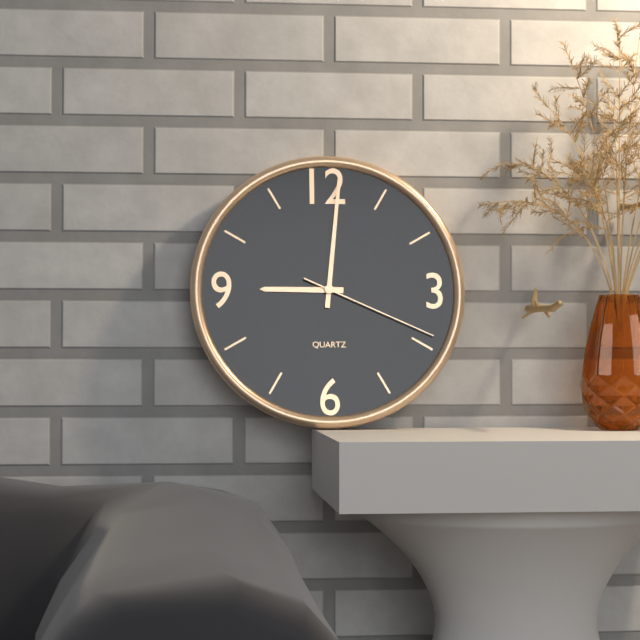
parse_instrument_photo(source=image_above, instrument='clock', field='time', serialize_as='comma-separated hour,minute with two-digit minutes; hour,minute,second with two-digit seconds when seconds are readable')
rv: 9,01,19
